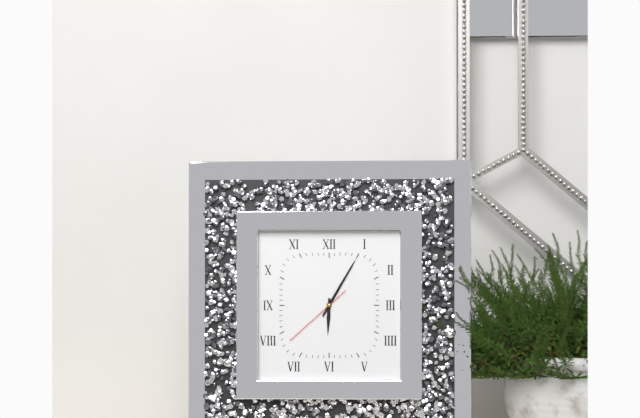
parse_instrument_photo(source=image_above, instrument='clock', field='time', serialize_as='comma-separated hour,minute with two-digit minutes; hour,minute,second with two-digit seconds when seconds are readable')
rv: 6,05,38
